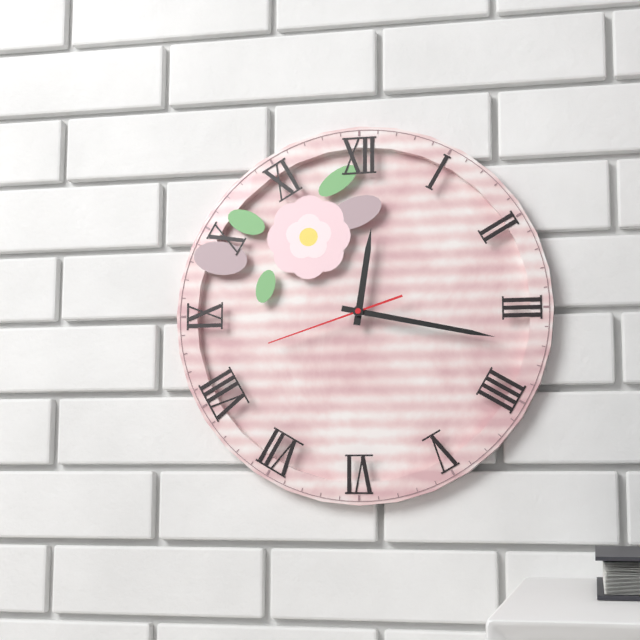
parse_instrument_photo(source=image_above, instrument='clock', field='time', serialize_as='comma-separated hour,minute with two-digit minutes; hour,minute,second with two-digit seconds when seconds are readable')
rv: 12,17,42
